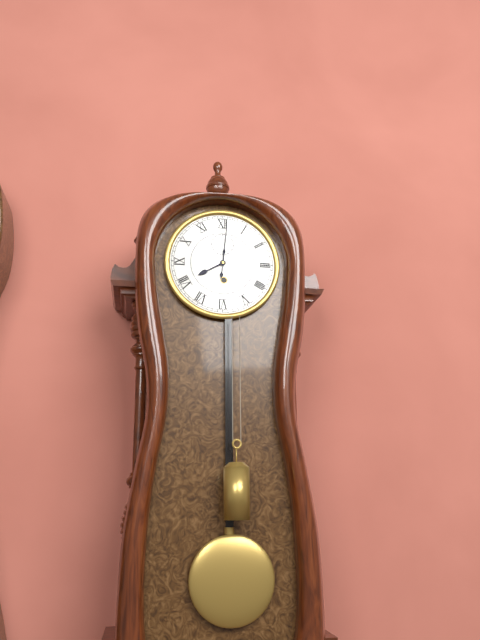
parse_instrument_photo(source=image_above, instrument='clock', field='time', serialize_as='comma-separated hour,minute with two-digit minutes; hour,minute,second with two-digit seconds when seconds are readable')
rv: 8,01
